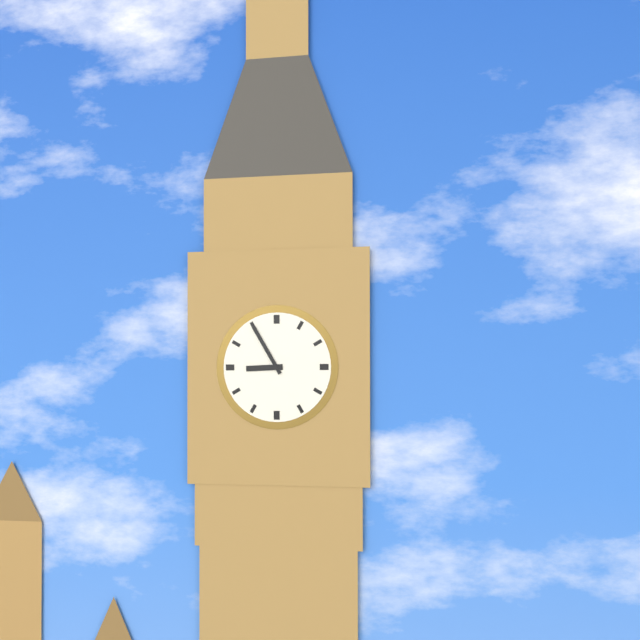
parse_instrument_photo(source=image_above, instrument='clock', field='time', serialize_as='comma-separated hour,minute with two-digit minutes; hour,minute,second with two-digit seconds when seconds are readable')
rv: 8,55
